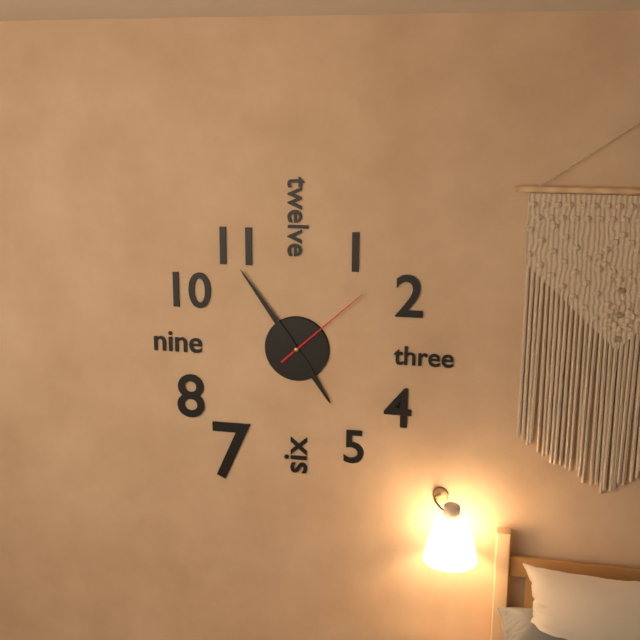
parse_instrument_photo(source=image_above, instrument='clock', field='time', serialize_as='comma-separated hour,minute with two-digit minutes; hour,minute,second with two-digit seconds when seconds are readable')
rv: 4,54,08
